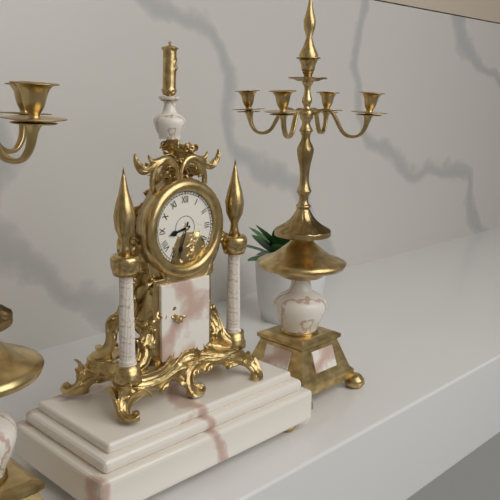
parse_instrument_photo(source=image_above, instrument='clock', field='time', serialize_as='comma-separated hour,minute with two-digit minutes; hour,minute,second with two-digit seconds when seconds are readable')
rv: 8,33
